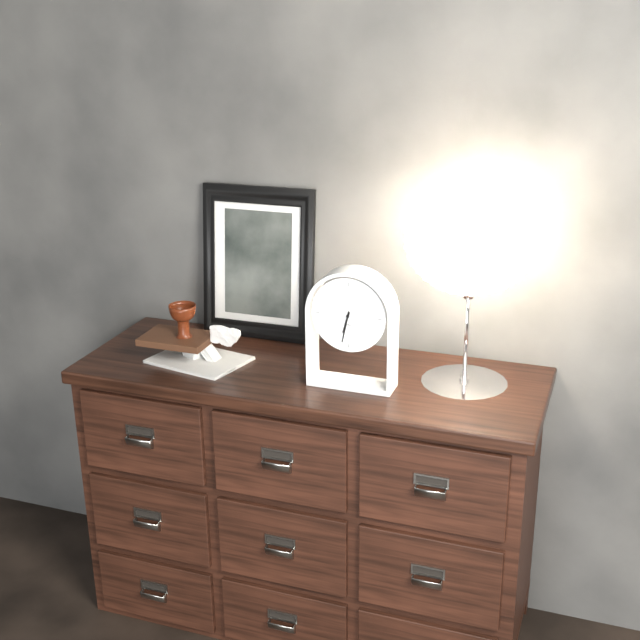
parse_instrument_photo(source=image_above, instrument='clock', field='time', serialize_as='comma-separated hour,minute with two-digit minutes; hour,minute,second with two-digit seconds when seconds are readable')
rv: 6,32
